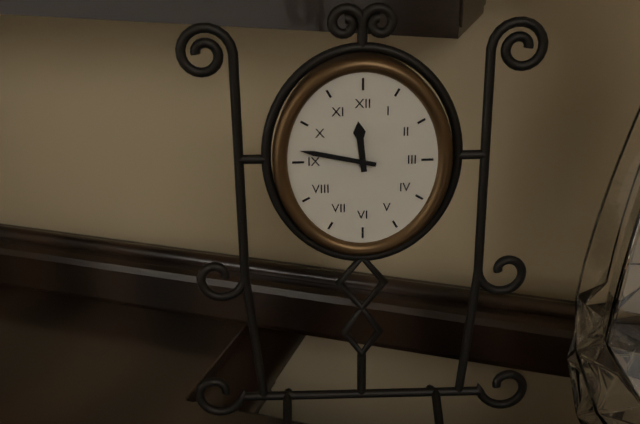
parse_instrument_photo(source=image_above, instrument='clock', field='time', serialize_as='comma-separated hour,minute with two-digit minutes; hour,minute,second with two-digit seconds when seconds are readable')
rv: 11,47
